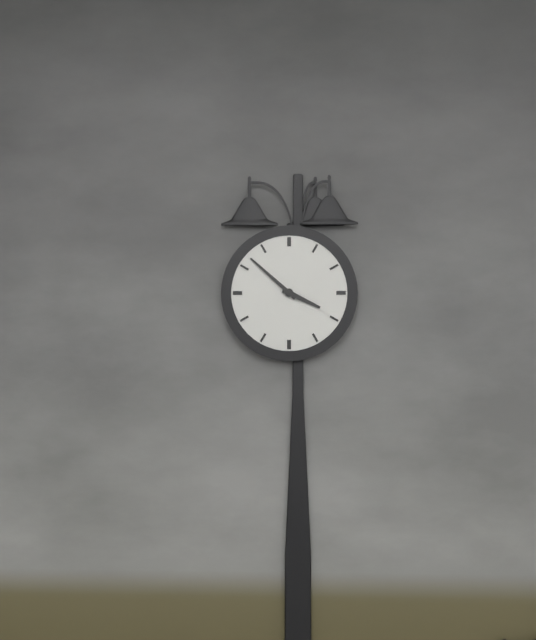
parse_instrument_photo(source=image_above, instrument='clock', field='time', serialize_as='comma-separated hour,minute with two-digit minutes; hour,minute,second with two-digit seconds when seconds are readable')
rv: 3,52
